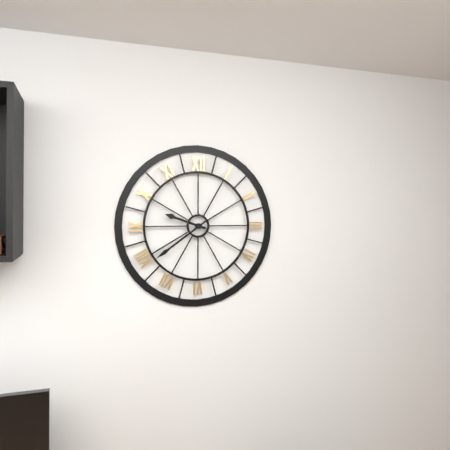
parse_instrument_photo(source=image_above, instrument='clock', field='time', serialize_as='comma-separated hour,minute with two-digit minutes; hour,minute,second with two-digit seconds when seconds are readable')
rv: 9,39
